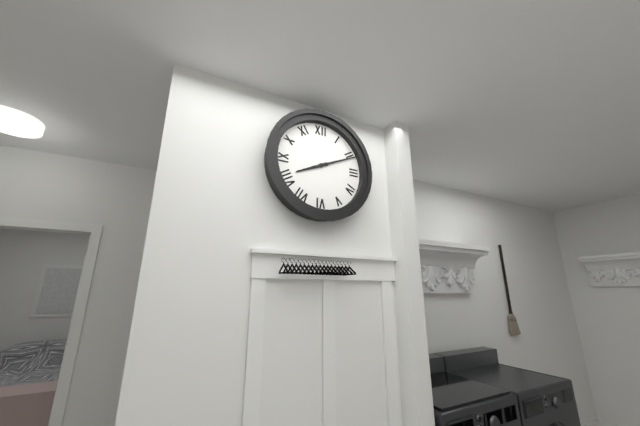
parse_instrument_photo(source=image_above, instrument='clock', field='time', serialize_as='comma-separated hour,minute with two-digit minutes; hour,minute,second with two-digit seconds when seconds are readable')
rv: 8,11
